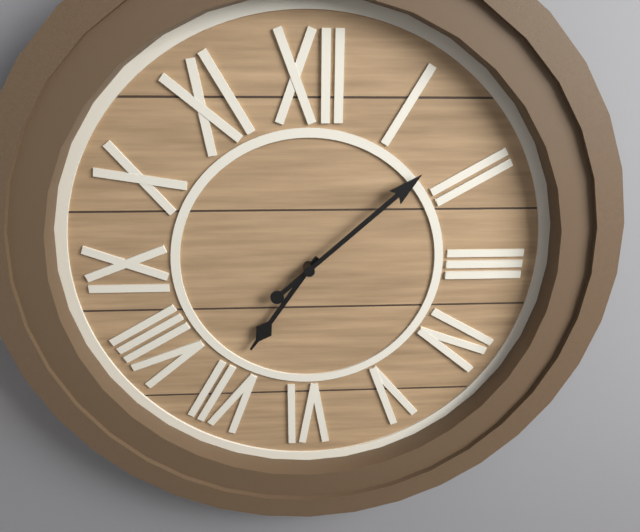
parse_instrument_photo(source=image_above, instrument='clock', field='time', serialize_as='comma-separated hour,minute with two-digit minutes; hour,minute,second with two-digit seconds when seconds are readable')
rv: 7,08
